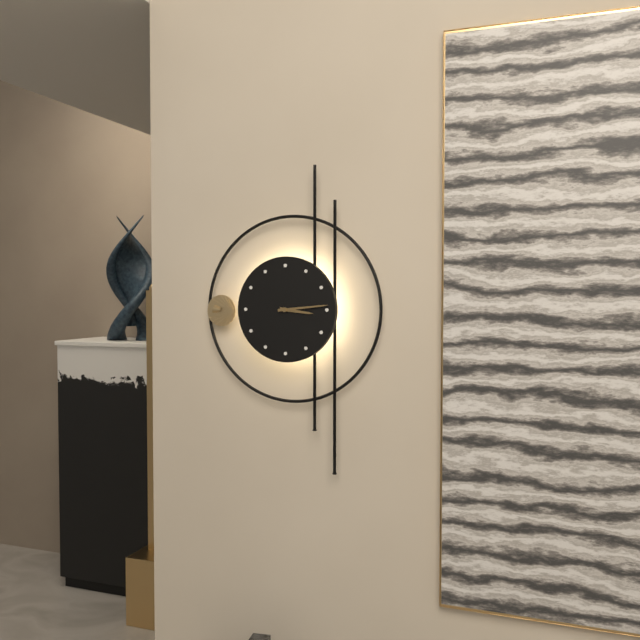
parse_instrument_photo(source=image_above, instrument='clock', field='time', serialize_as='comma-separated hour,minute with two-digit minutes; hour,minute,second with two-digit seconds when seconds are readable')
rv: 3,14
